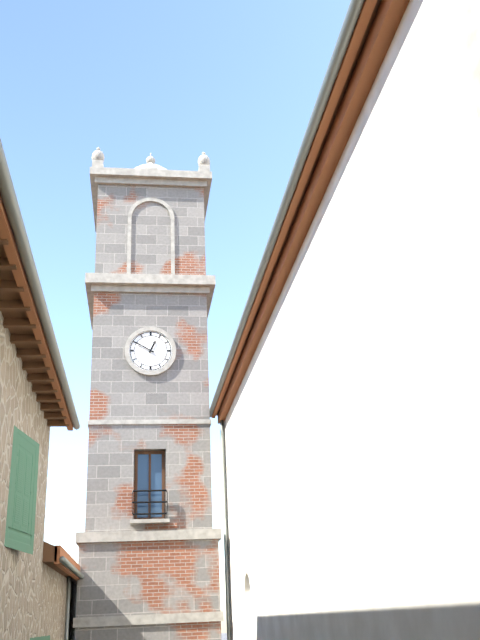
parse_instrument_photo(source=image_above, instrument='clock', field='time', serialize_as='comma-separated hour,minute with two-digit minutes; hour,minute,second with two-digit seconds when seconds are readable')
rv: 12,50
